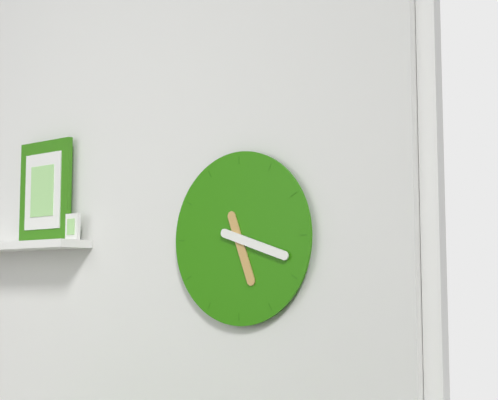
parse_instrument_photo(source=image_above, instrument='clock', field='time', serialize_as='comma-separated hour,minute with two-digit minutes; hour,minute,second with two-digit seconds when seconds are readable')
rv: 5,18
